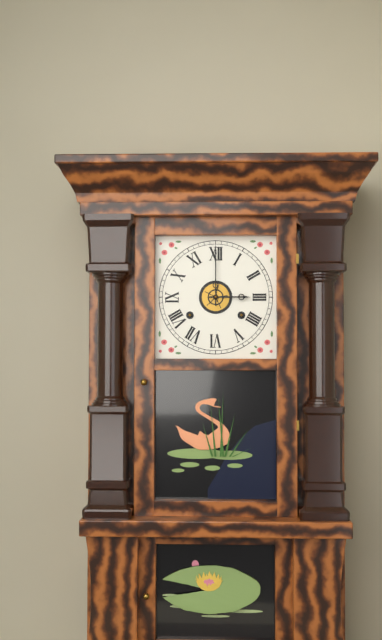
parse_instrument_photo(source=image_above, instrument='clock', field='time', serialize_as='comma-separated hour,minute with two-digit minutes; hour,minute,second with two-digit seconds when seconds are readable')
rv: 3,00
